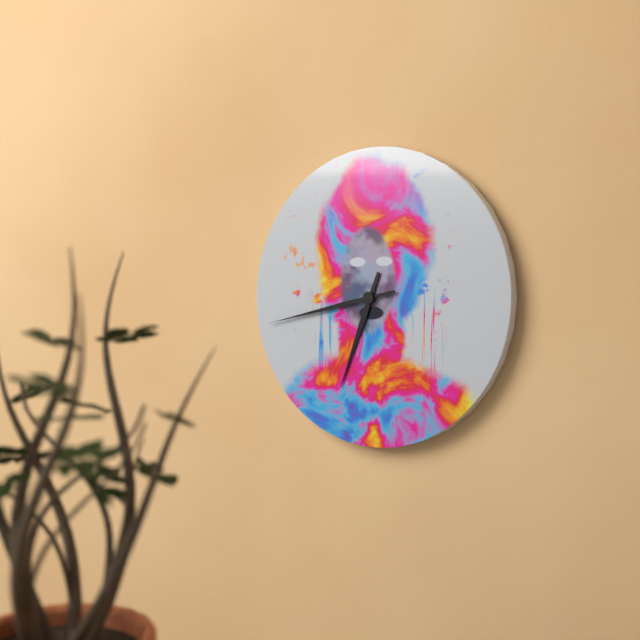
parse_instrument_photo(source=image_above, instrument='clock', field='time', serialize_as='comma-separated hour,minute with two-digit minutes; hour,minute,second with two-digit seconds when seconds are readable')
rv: 6,43
